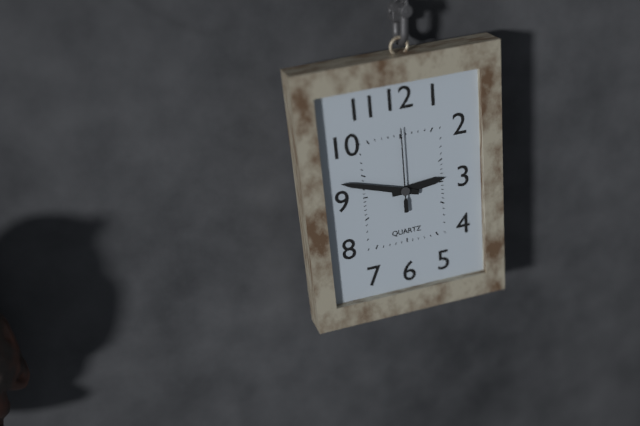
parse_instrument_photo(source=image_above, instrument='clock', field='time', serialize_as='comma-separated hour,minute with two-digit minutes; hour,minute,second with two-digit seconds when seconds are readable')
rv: 2,48,00
